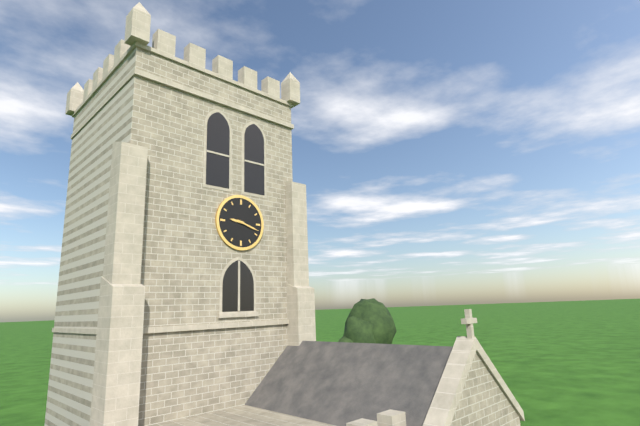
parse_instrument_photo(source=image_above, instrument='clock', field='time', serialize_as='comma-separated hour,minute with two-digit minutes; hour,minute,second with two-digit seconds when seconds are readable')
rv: 9,18
